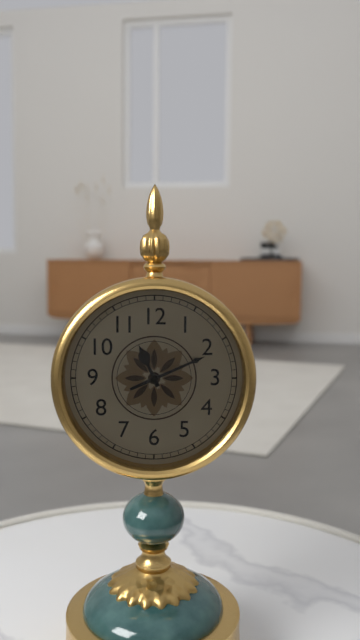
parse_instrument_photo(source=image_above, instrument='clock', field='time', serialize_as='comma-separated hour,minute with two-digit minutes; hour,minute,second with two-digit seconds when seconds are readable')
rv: 11,11
